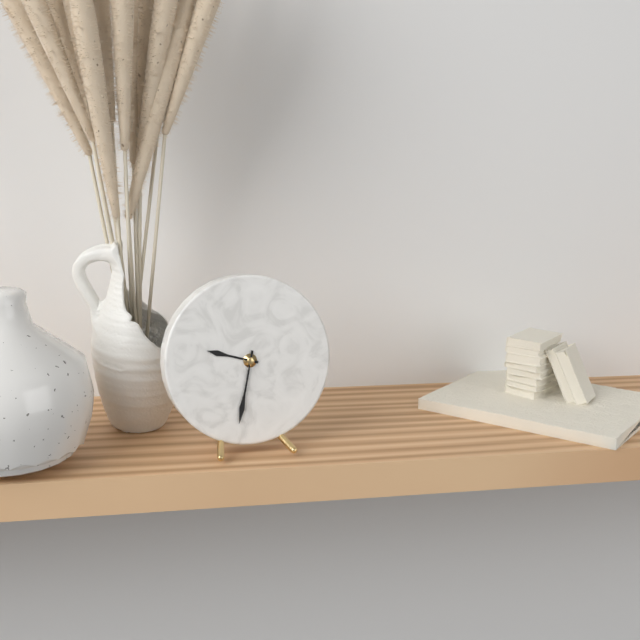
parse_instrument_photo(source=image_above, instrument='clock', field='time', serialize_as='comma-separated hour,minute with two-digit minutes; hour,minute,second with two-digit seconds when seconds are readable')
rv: 9,32
